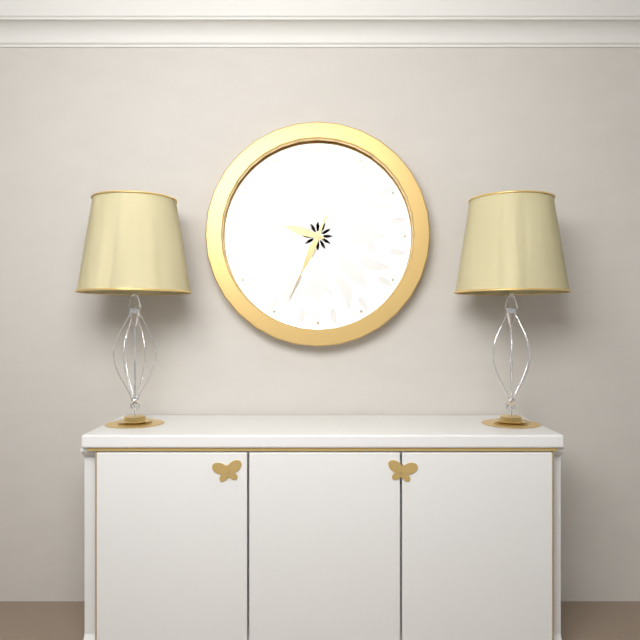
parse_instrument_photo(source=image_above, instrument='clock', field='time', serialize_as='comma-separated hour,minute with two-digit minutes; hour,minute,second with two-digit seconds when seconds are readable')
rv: 9,34
